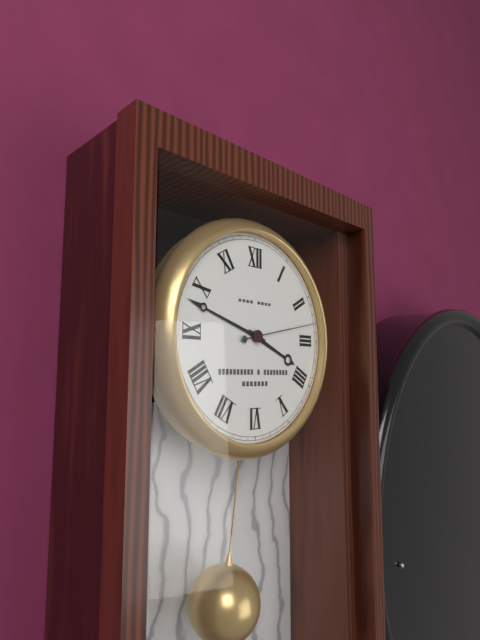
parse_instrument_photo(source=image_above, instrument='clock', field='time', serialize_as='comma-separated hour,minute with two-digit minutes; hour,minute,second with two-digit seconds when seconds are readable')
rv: 3,48,13
